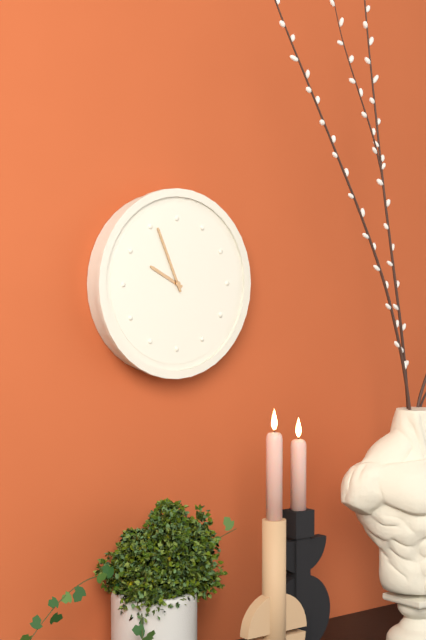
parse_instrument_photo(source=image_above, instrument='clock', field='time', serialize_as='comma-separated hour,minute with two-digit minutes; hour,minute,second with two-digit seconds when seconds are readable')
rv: 9,56
